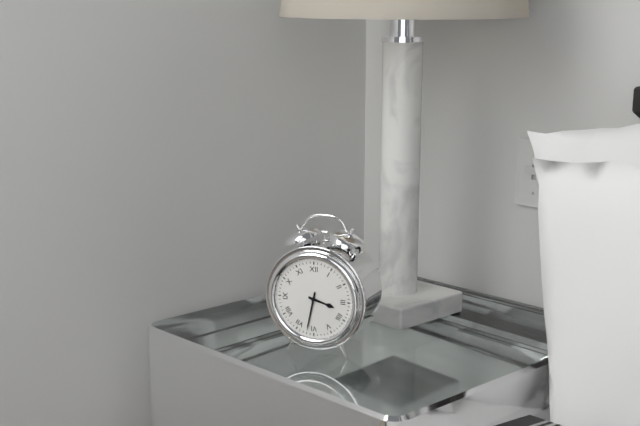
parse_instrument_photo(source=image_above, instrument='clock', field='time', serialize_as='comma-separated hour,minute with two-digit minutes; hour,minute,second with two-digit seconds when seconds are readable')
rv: 3,32
